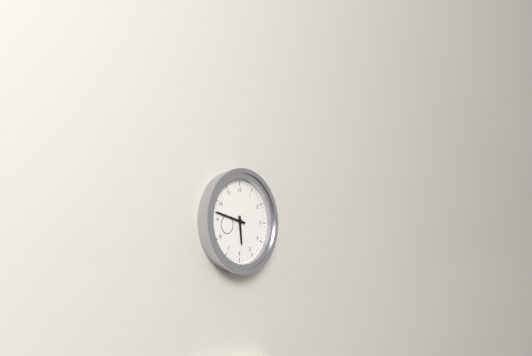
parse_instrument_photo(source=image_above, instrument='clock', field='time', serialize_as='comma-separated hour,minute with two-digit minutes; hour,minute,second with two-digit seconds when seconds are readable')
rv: 5,47
